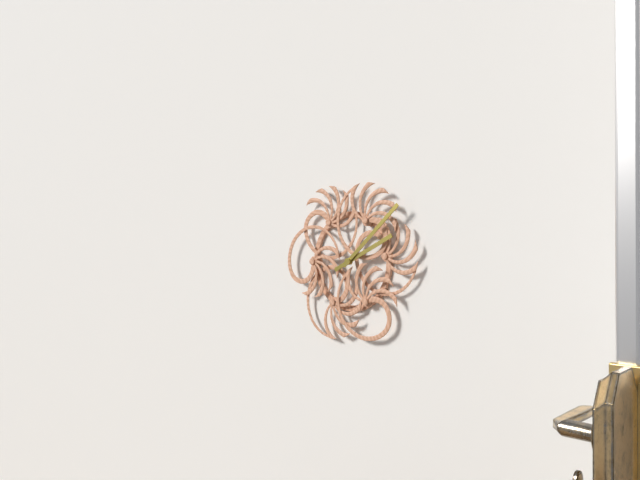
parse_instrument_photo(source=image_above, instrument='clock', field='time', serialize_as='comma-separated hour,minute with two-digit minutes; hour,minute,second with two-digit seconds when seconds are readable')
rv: 2,08
